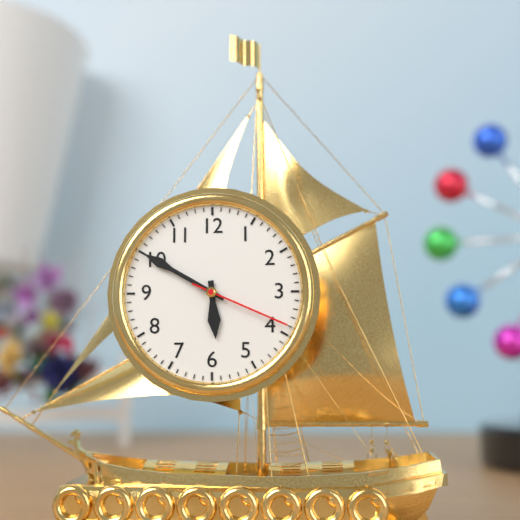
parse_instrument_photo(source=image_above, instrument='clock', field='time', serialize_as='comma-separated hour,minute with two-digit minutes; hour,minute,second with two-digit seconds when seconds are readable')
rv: 5,50,19
